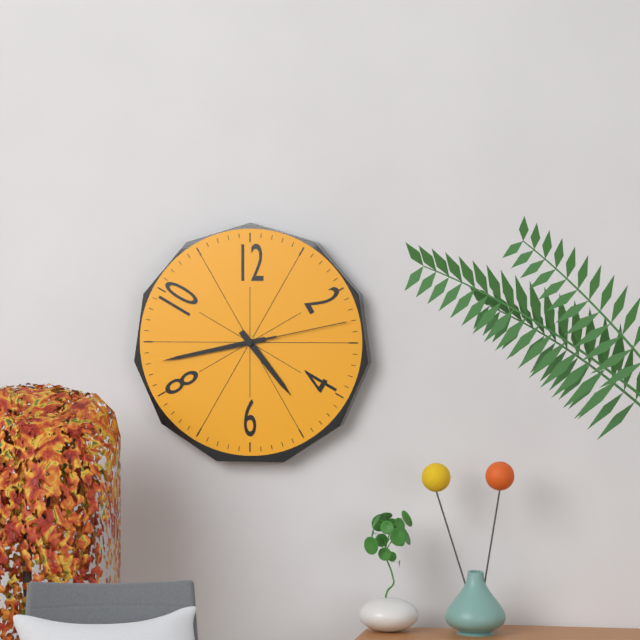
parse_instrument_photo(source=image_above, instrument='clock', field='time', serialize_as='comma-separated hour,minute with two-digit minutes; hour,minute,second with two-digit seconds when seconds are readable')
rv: 4,43,13
